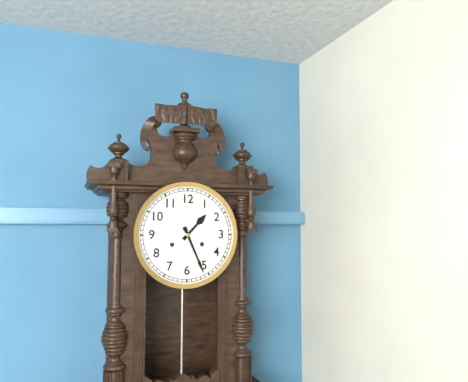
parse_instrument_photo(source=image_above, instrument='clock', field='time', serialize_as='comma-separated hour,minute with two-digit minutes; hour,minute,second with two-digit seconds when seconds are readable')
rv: 1,26
